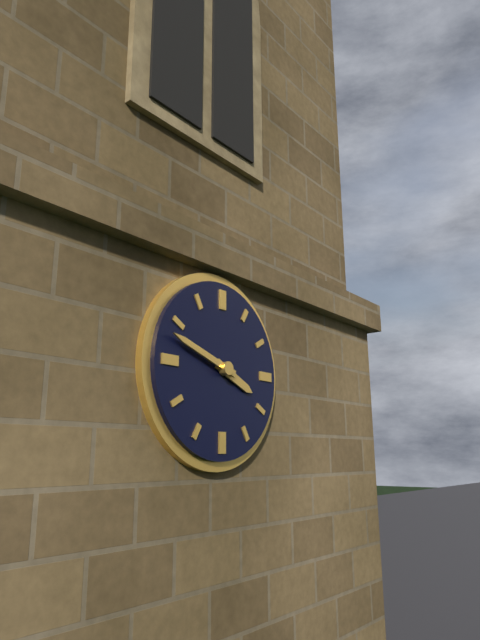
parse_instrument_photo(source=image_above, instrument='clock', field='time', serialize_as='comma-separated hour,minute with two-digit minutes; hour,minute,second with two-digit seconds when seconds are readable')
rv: 3,48
